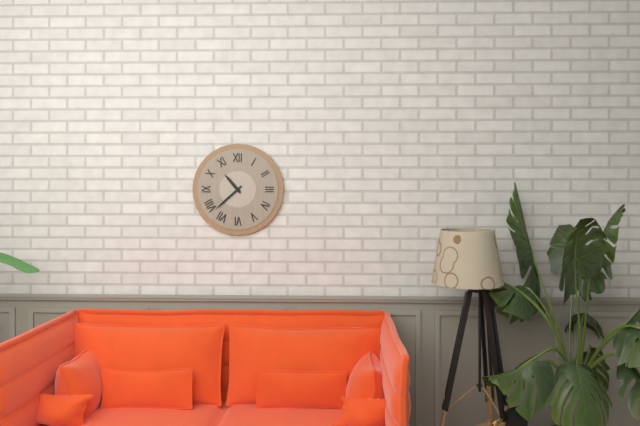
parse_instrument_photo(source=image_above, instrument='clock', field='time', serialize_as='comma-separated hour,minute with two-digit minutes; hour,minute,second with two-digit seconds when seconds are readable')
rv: 10,38
